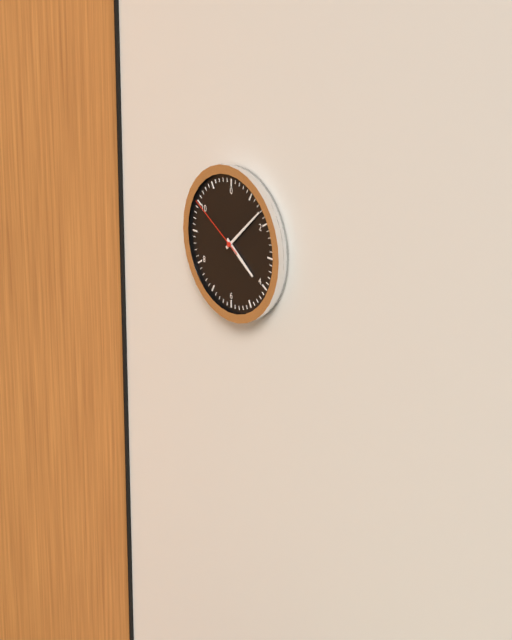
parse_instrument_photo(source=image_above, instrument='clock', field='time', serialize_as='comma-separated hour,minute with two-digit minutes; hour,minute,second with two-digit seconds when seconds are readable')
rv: 4,08,50
